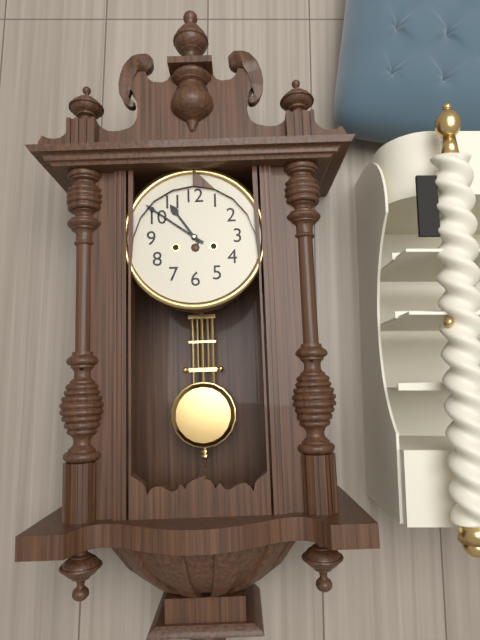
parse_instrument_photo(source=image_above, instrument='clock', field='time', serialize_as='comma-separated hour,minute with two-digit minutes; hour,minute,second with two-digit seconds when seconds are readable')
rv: 10,51
